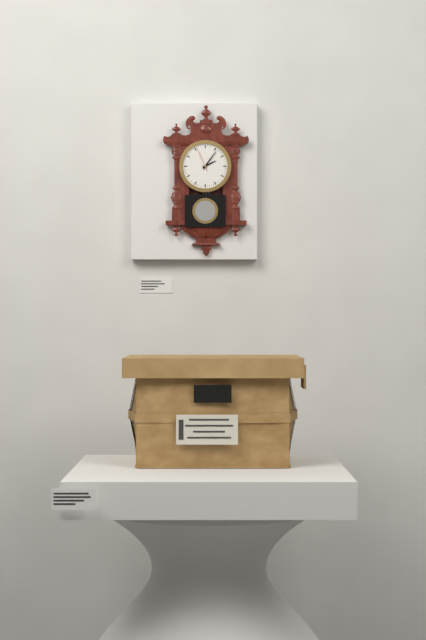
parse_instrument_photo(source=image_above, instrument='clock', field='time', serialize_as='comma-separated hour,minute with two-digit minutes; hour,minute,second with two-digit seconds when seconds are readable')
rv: 2,06
